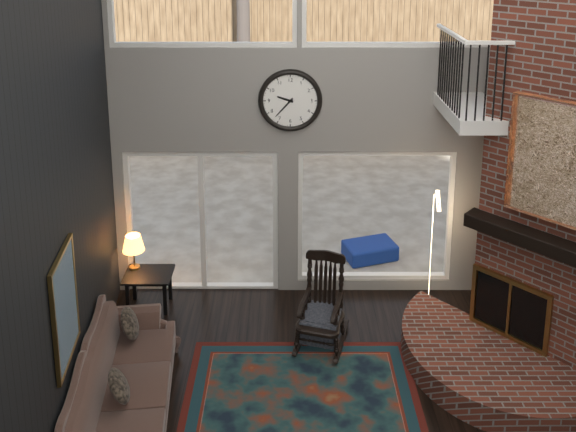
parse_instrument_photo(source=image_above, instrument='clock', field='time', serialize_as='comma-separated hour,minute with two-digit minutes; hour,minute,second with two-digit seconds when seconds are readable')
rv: 9,37
